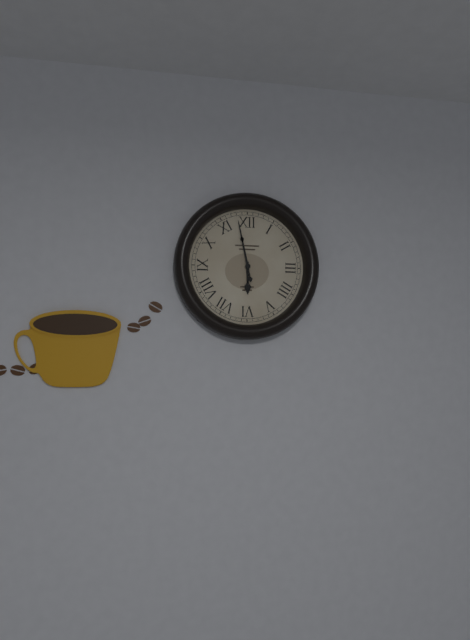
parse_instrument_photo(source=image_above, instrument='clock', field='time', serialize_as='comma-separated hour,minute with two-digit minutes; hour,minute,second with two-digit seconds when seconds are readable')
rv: 5,58
